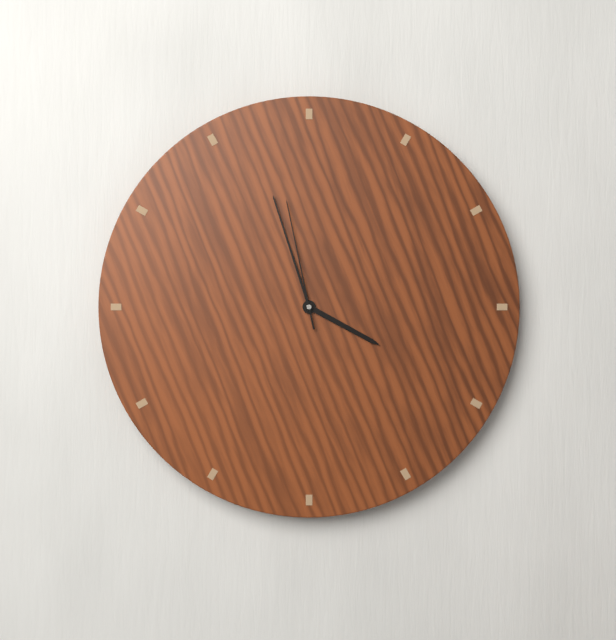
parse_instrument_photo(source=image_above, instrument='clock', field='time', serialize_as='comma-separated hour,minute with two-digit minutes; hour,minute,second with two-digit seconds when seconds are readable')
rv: 3,57,58
